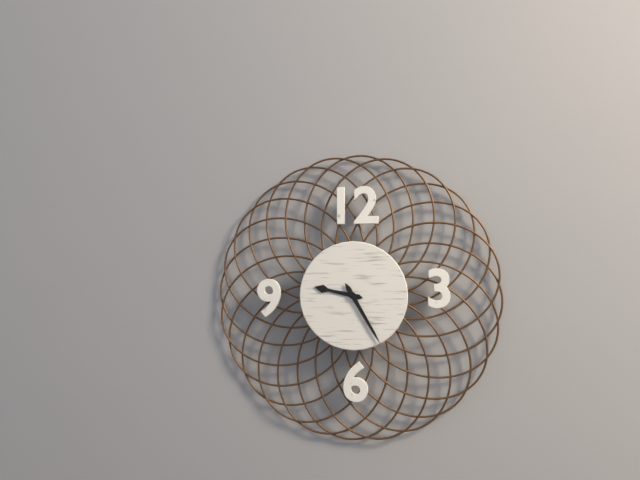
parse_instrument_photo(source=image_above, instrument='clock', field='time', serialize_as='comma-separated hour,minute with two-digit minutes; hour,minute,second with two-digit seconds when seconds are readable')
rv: 9,25
